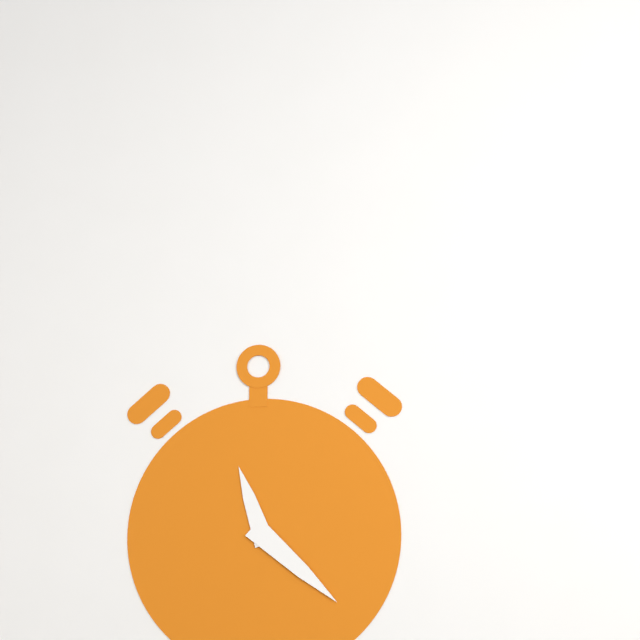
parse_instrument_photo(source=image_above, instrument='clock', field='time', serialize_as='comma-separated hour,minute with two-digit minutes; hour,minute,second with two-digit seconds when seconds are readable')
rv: 11,22
